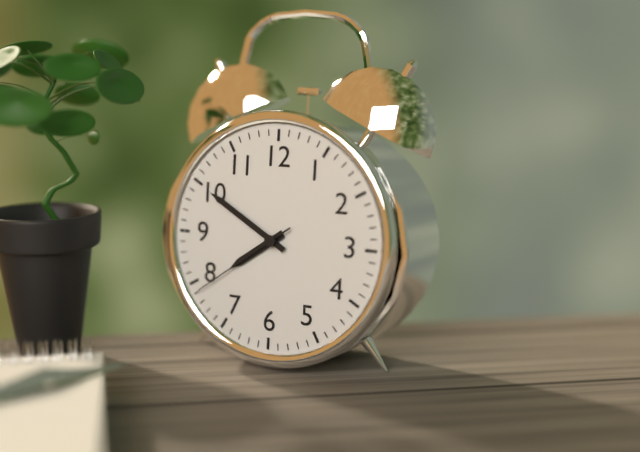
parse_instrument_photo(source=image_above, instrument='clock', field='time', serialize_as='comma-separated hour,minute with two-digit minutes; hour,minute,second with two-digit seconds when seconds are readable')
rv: 7,50,39
